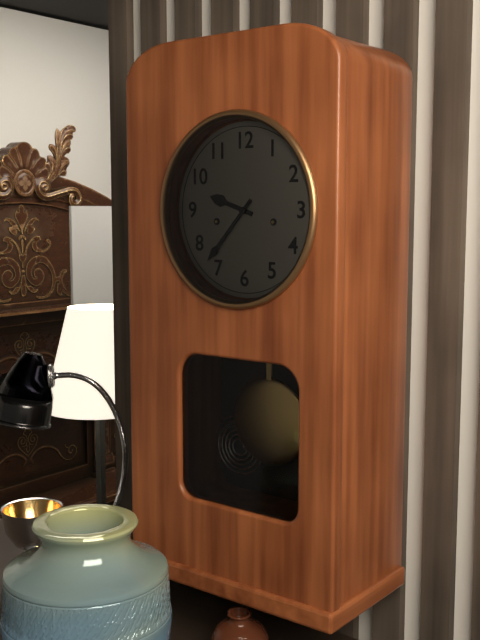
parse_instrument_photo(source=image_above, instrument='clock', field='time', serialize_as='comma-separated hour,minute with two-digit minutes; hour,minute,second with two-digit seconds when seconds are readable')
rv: 9,37
